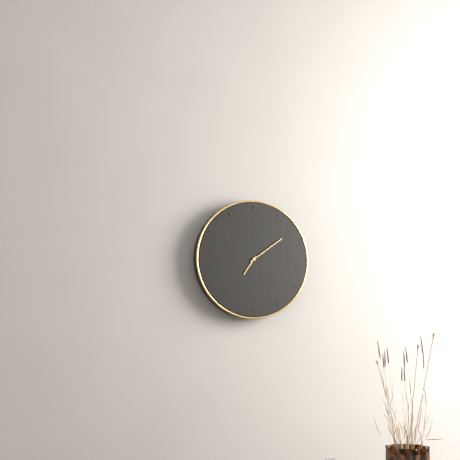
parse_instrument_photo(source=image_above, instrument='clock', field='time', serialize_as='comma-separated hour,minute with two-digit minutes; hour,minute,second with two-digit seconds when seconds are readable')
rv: 7,09
